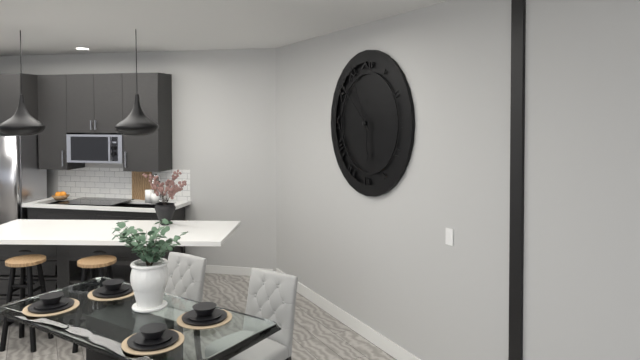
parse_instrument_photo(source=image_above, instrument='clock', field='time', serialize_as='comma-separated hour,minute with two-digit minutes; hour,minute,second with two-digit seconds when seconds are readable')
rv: 5,52,56
